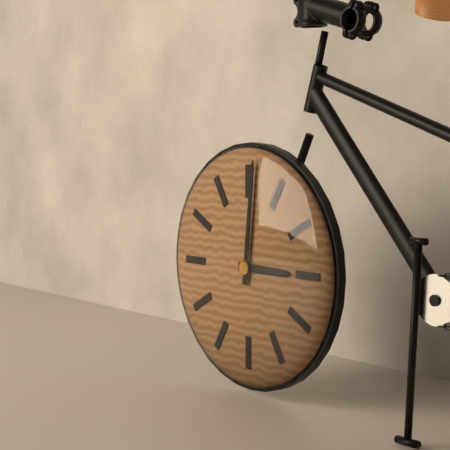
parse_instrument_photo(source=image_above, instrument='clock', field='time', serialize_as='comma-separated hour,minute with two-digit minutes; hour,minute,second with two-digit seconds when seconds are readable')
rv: 3,01
